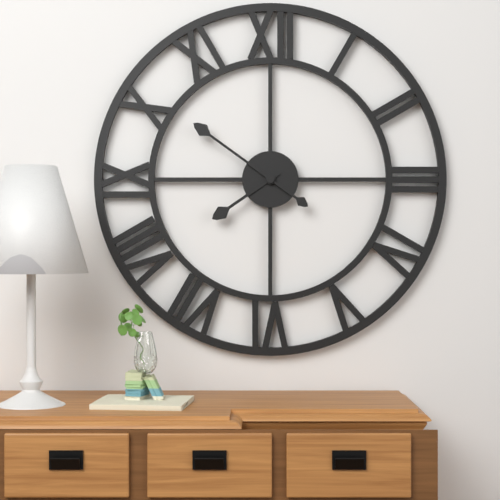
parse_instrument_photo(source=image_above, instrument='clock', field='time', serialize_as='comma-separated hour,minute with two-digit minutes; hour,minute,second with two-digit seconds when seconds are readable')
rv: 7,51
